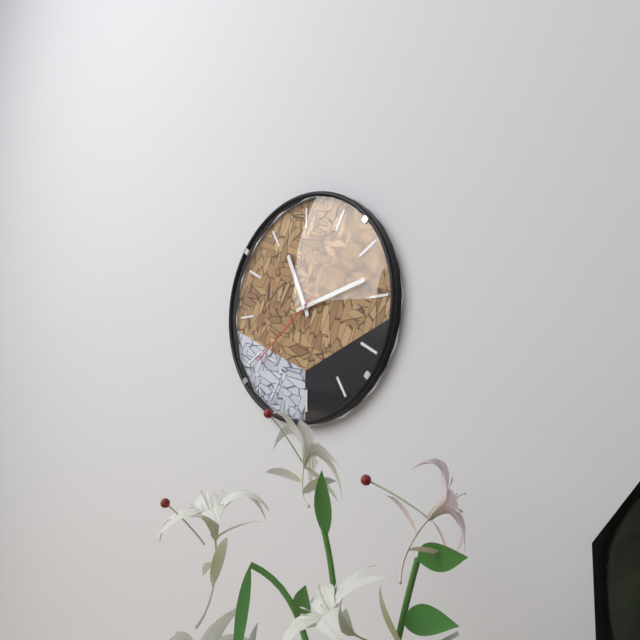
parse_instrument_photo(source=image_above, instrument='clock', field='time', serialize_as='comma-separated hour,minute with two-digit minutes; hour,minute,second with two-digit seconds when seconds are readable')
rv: 11,13,39
